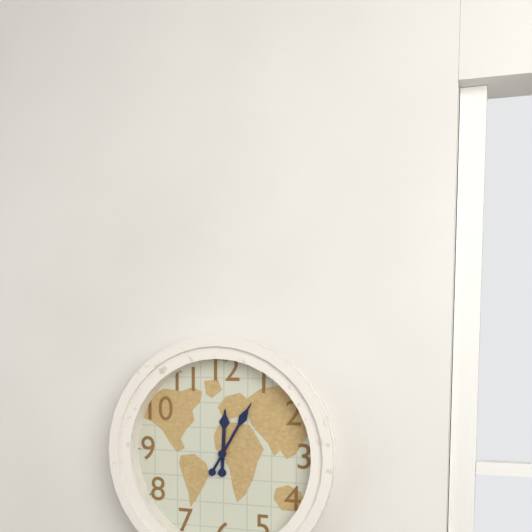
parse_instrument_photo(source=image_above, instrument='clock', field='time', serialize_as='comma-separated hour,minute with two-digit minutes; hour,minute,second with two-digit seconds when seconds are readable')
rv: 12,05
